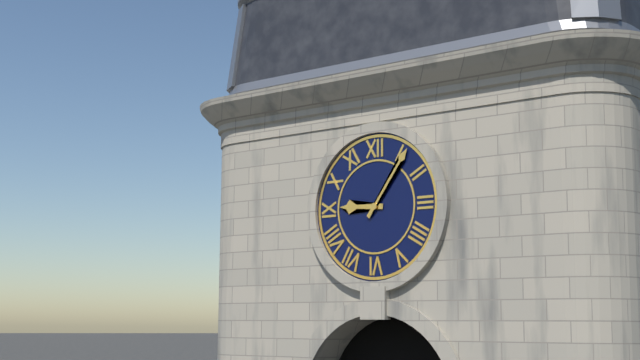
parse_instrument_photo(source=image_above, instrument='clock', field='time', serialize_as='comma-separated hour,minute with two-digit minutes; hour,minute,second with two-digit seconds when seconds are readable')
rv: 9,06
